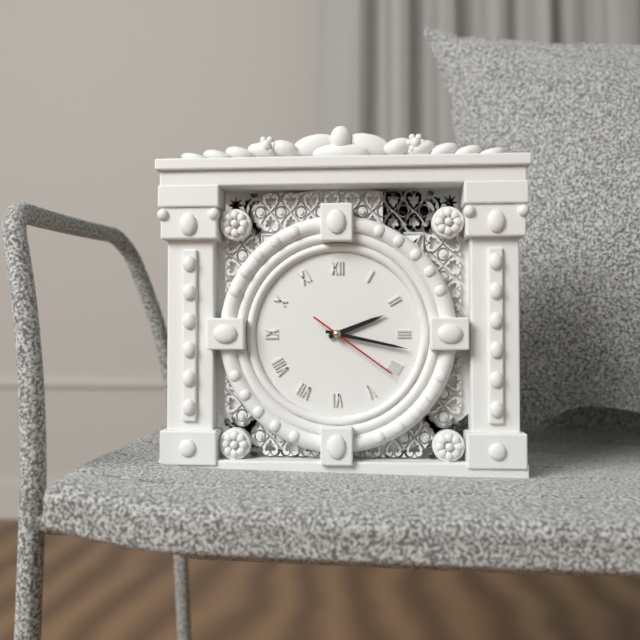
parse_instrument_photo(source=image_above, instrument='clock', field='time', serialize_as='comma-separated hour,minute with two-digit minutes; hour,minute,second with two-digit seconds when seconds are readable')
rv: 2,17,21
